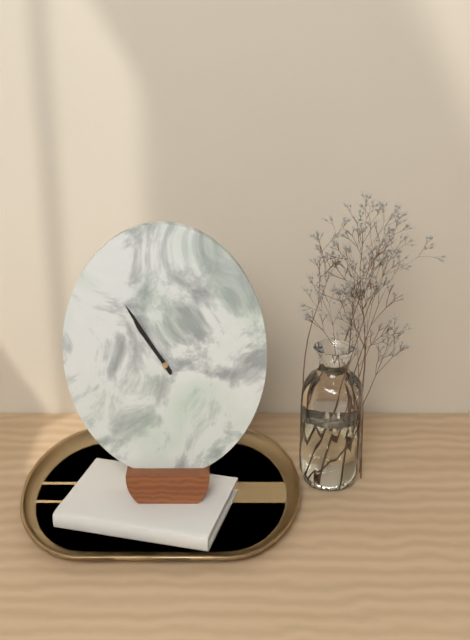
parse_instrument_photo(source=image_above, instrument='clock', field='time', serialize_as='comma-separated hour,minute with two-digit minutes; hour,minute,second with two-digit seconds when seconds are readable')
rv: 10,55
